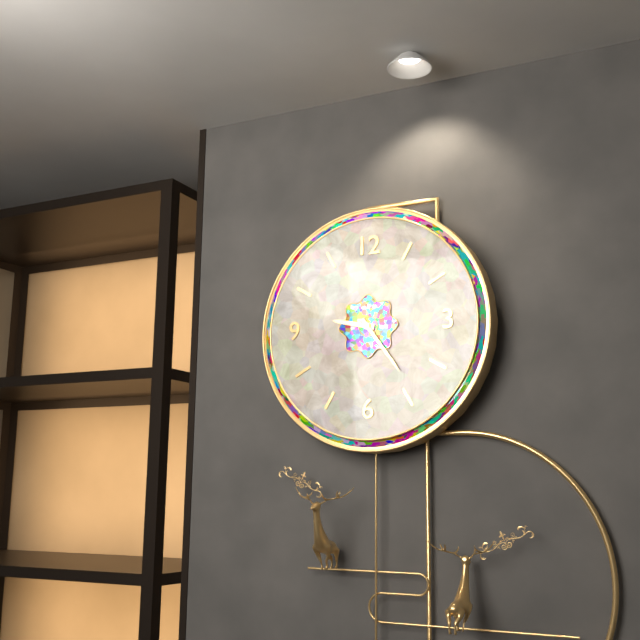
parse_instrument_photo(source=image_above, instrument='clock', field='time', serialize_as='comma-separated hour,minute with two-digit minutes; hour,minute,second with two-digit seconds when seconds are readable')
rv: 9,24
